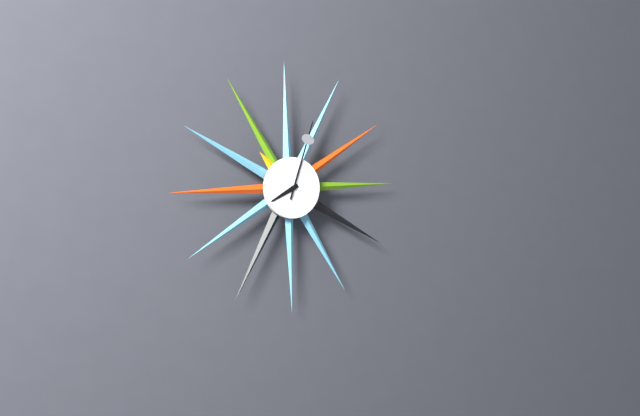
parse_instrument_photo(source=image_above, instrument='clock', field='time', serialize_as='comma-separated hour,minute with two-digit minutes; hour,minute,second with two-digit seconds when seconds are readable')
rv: 8,03
